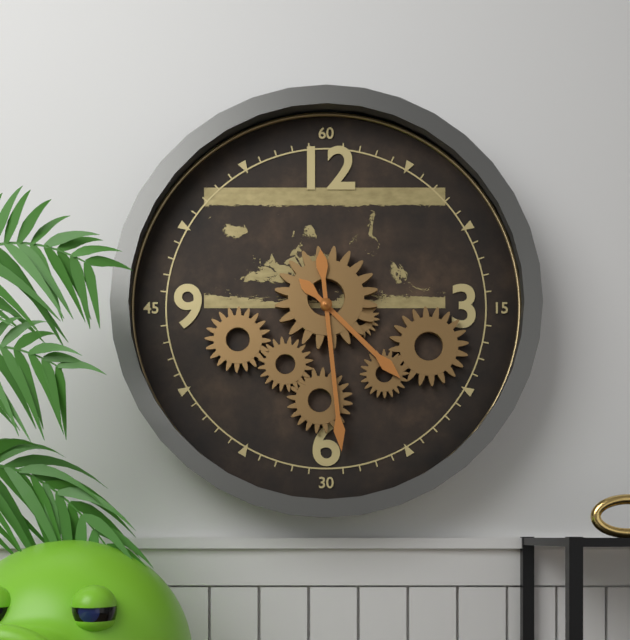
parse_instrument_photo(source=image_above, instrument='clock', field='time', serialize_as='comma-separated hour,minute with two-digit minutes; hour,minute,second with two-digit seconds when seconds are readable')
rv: 4,29
